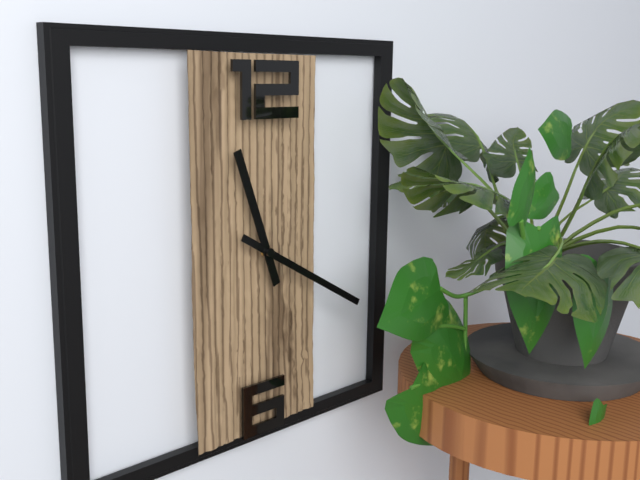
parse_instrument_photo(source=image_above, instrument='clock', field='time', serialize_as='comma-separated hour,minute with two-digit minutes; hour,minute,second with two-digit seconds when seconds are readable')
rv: 11,20
